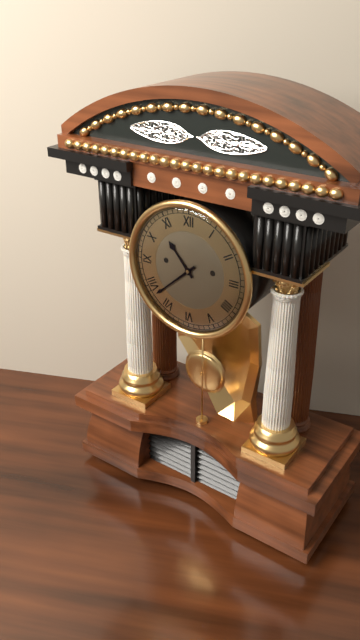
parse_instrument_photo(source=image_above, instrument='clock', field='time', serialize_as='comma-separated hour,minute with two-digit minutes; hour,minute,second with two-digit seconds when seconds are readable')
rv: 10,38
